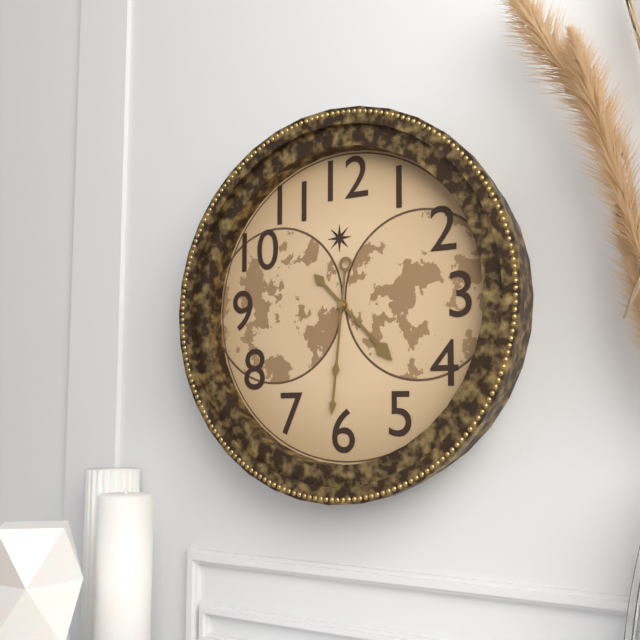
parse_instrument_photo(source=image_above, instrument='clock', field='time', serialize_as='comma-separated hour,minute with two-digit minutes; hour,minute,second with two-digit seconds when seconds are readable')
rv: 4,31
